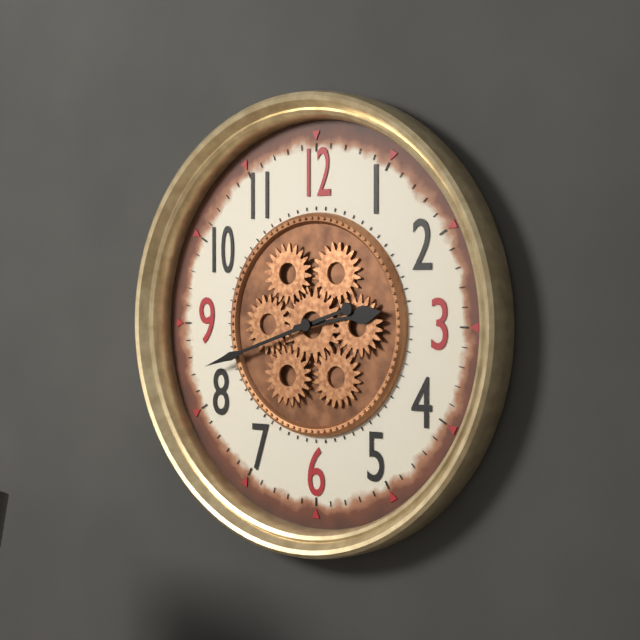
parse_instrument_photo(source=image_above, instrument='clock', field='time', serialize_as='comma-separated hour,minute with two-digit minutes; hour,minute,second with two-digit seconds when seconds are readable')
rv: 2,42
